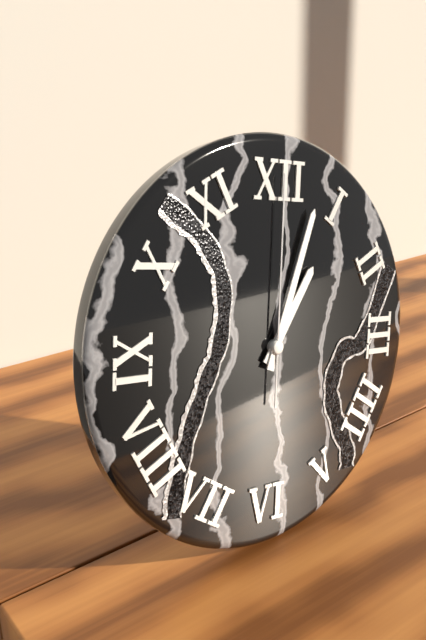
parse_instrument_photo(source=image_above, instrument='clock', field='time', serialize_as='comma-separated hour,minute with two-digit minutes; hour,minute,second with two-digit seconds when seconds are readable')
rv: 1,03,00
